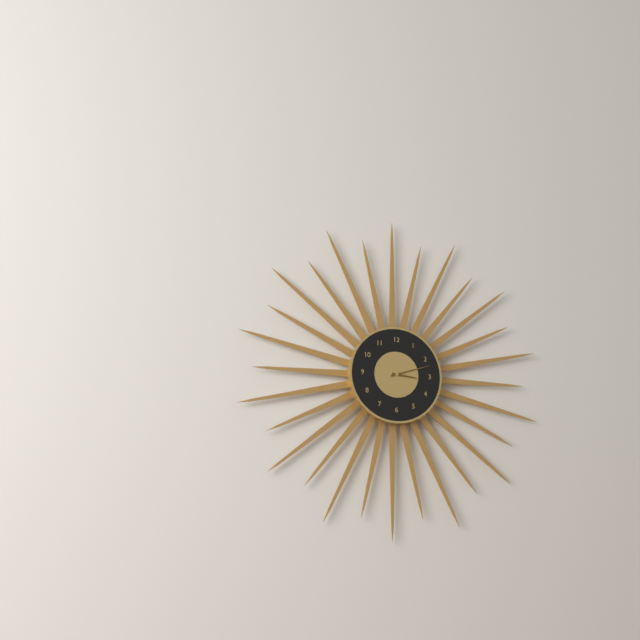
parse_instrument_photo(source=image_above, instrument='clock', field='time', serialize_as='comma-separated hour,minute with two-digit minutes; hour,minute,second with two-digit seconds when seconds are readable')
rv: 3,12
